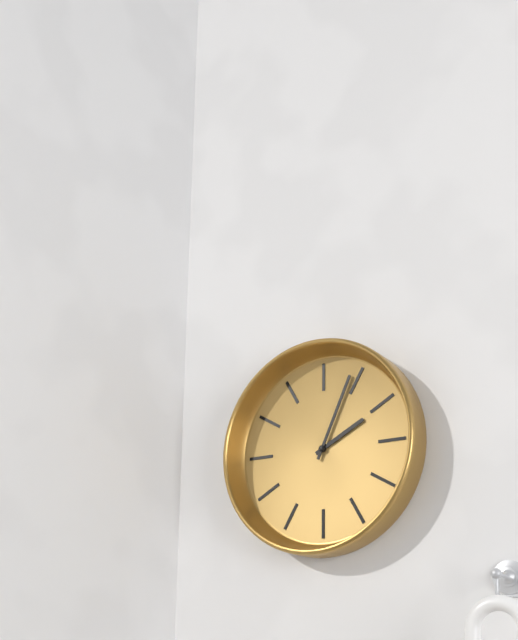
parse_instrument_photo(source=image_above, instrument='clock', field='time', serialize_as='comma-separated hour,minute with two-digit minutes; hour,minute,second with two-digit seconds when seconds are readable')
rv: 2,04
